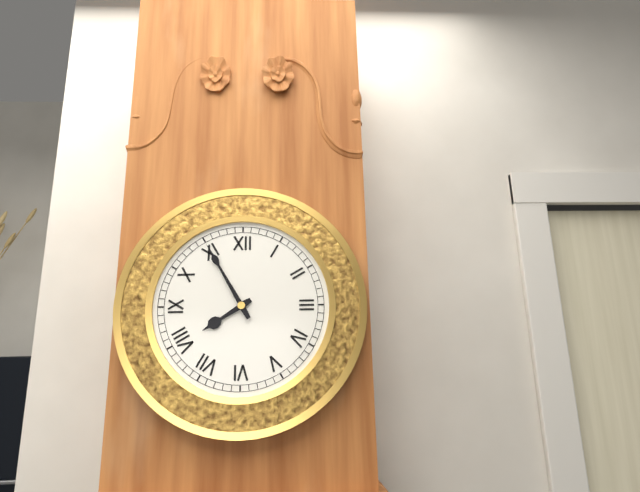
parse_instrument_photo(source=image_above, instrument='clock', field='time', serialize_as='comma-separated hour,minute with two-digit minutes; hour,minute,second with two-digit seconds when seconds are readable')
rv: 7,55
